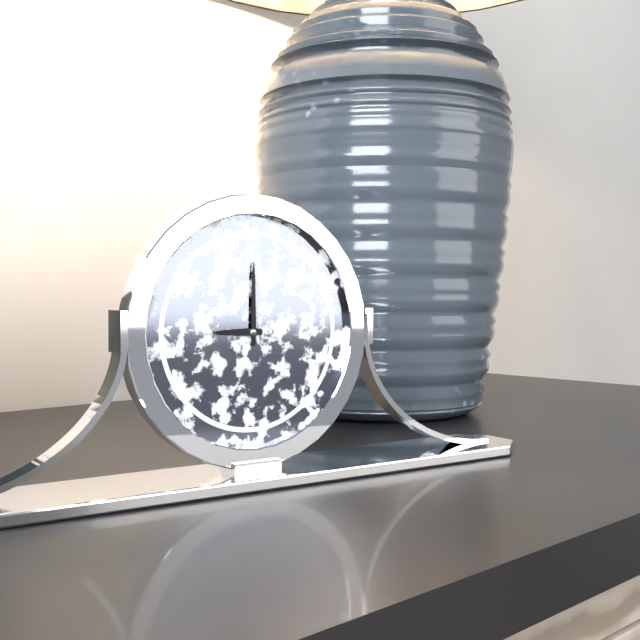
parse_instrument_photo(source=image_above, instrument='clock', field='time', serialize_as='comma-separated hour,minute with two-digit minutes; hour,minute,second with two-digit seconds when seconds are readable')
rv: 9,00
